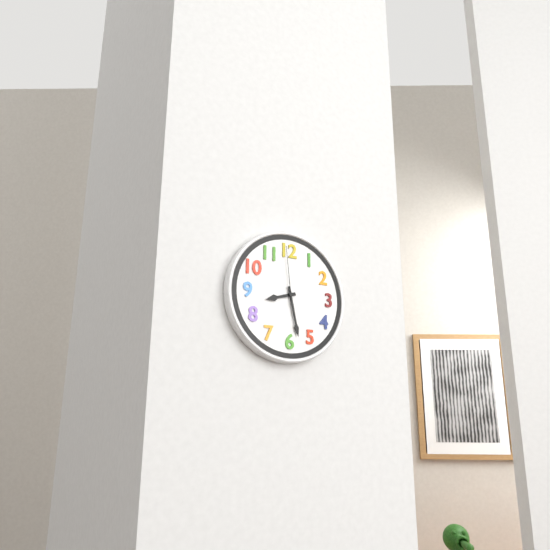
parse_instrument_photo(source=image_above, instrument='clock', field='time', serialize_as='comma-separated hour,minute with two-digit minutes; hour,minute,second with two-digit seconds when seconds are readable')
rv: 8,28,59
